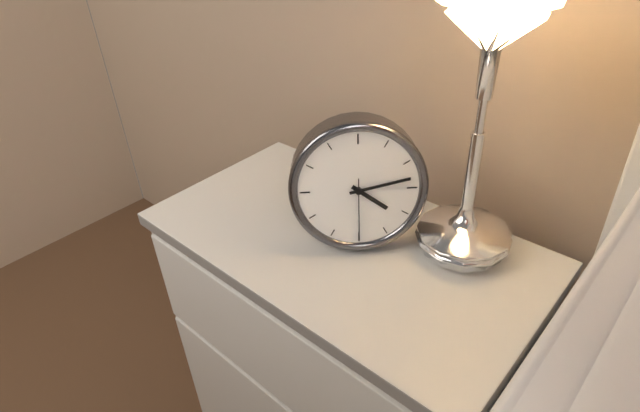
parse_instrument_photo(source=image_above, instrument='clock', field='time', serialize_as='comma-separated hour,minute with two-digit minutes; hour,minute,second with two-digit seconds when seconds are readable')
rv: 4,13,30
